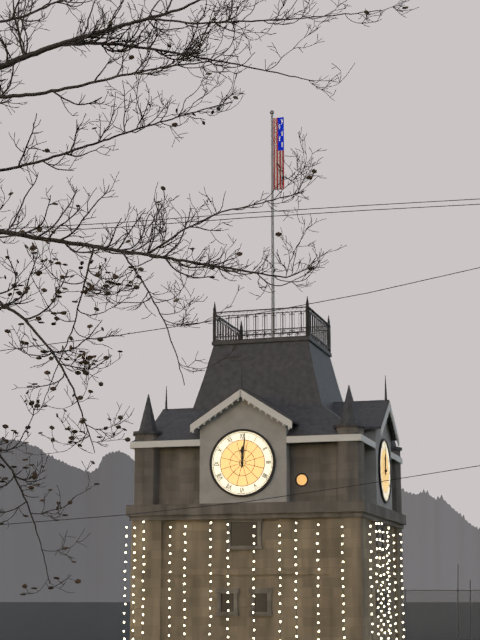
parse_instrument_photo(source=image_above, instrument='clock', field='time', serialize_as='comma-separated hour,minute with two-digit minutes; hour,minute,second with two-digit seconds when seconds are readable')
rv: 12,01
